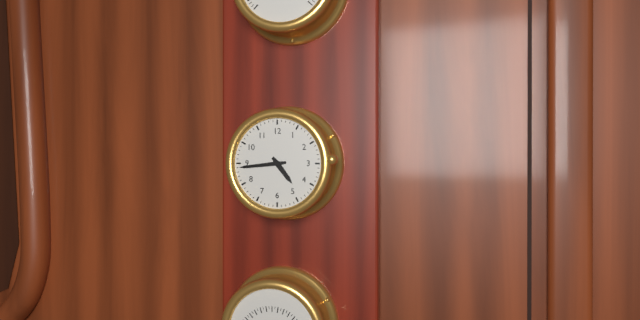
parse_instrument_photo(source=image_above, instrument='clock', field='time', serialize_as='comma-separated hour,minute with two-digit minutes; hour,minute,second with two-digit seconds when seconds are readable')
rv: 4,44
